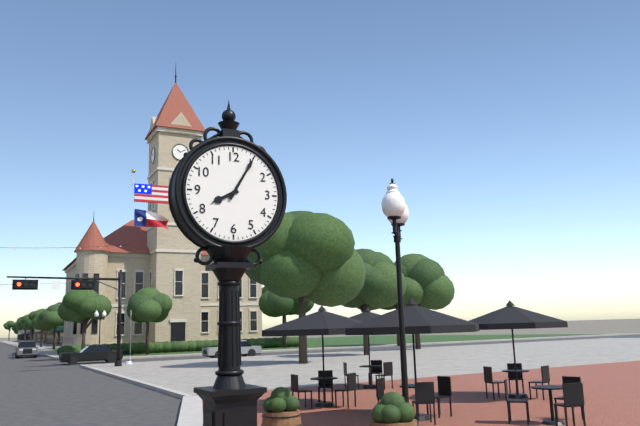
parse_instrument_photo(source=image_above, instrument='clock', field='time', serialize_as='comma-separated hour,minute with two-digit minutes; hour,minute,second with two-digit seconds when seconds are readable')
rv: 8,05
